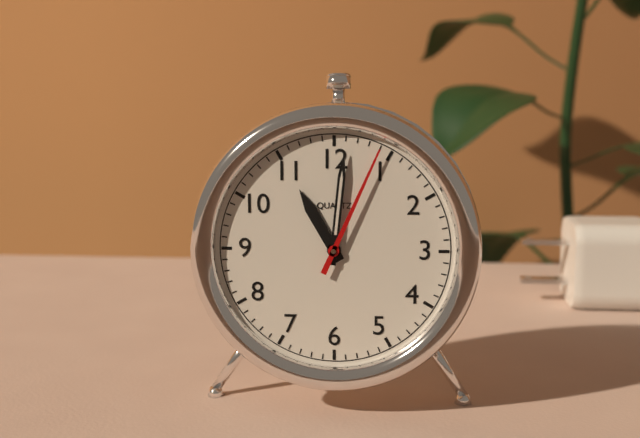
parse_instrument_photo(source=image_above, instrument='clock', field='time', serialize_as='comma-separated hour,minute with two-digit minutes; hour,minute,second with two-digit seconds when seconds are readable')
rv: 11,01,04
